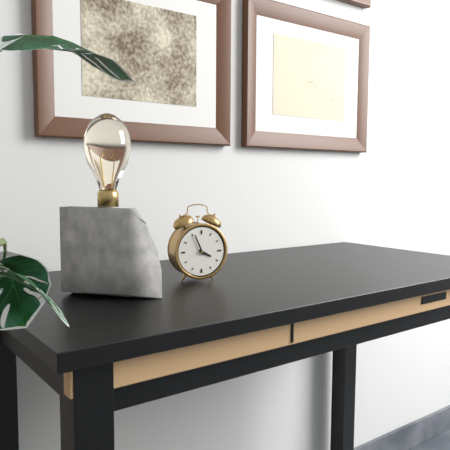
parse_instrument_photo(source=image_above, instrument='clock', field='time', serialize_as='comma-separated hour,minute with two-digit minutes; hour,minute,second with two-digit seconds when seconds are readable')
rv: 3,56
